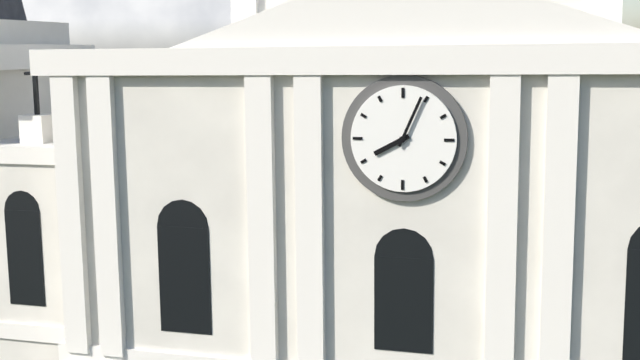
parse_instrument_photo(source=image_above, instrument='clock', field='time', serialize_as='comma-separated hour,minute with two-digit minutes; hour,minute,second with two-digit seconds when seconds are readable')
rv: 8,04
